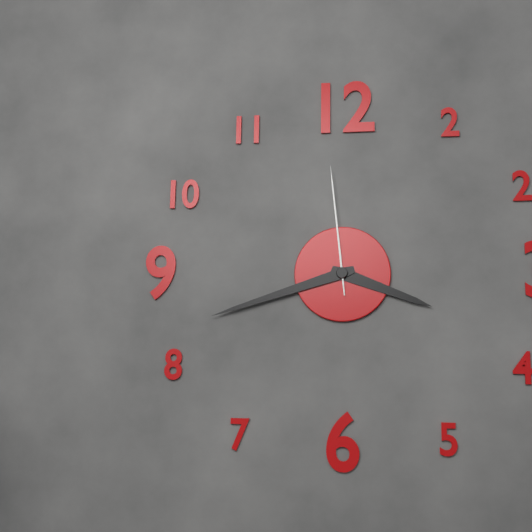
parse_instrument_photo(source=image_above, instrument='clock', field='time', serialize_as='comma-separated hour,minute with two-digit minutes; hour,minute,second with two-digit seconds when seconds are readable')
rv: 3,42,59
